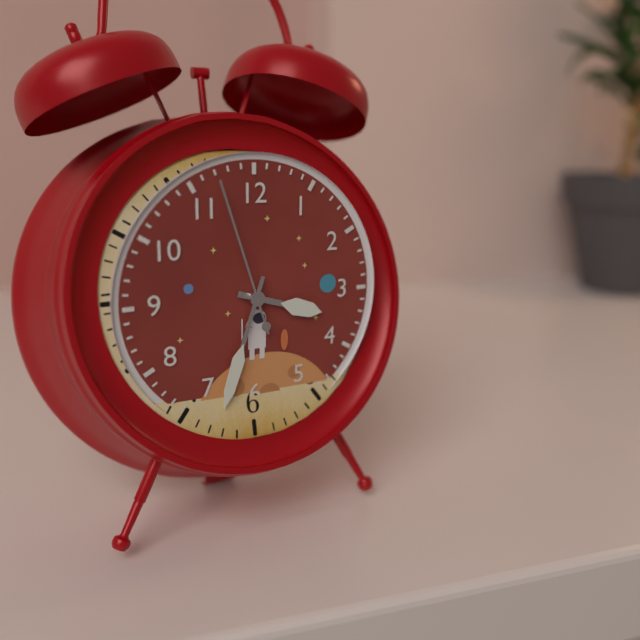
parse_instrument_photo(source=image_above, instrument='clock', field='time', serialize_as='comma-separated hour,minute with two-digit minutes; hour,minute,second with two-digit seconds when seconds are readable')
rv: 3,33,57
